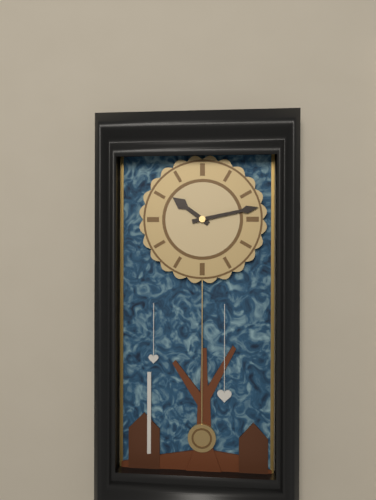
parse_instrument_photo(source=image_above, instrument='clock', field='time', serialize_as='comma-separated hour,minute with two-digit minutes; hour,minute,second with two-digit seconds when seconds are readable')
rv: 10,13
